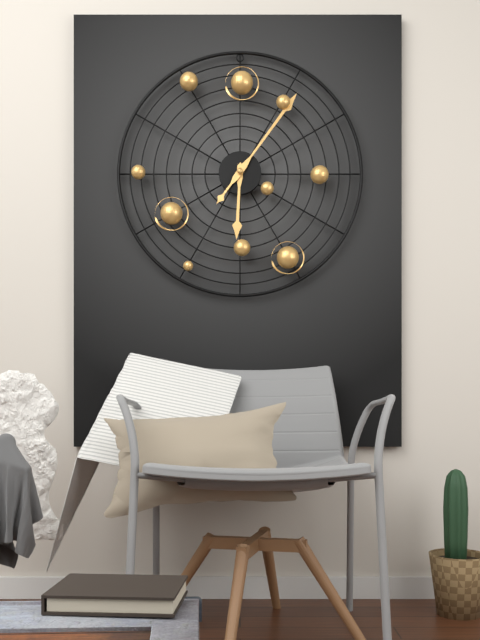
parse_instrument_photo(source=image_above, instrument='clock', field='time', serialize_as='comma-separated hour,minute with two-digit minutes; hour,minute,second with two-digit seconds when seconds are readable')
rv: 6,06
